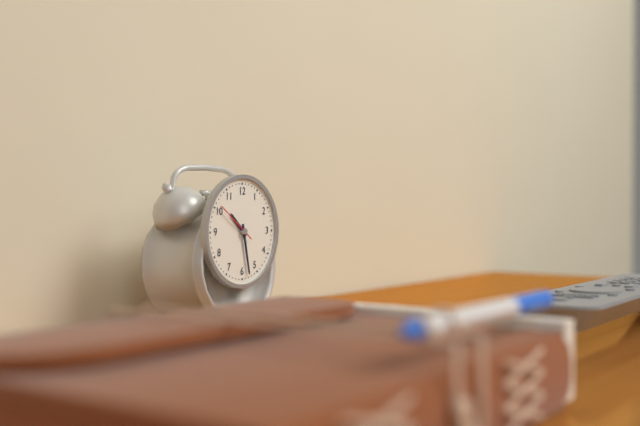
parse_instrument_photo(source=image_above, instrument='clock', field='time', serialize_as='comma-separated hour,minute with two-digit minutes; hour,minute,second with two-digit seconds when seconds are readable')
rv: 10,28
